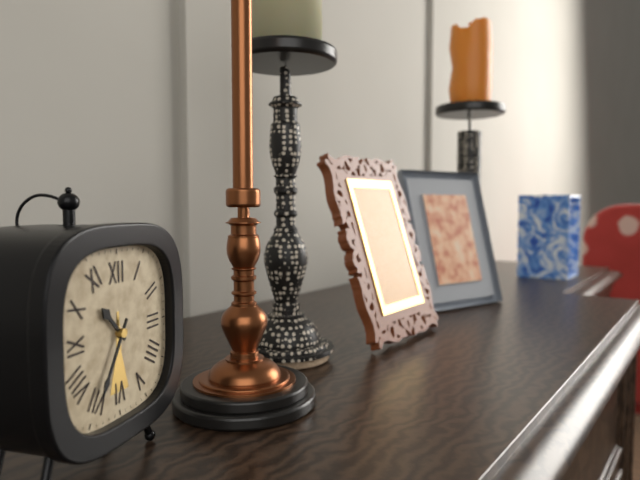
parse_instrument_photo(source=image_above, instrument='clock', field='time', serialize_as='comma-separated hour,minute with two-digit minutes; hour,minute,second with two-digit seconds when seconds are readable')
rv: 10,35
